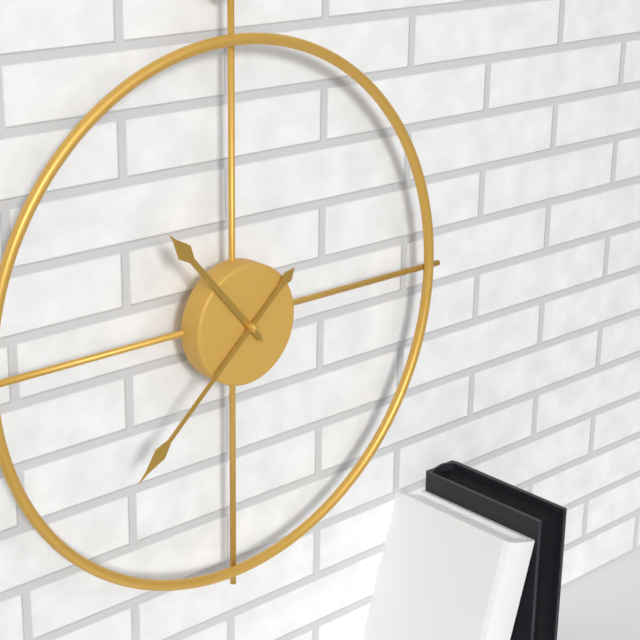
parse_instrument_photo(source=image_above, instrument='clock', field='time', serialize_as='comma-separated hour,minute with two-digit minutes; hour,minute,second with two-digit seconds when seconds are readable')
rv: 10,38
